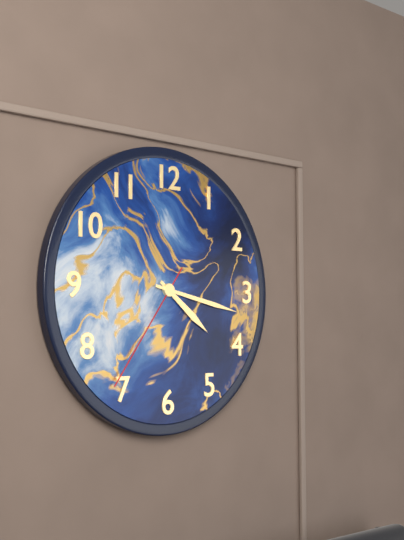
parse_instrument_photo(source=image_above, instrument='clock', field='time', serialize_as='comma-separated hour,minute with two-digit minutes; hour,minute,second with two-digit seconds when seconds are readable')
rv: 4,17,36
